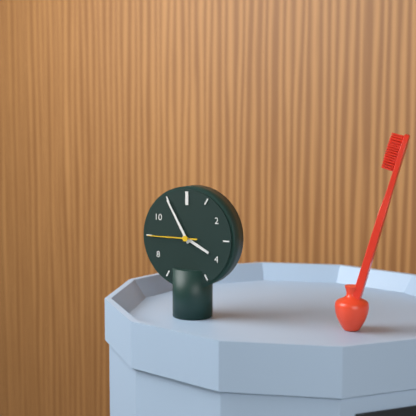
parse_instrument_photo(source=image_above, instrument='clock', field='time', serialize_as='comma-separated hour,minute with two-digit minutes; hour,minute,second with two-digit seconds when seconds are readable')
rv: 3,55,45
